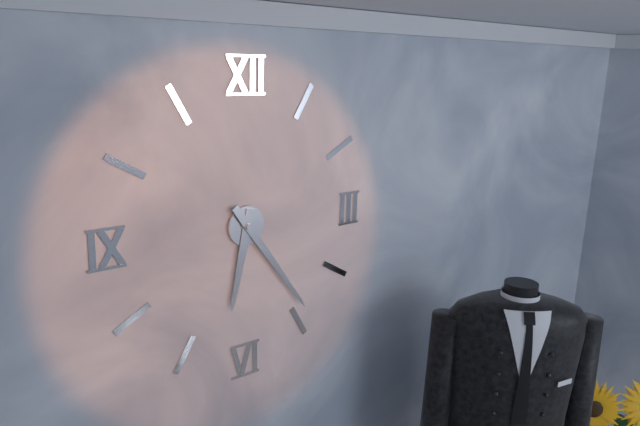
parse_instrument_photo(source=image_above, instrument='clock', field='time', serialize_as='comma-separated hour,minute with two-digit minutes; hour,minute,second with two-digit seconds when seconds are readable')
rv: 6,24
